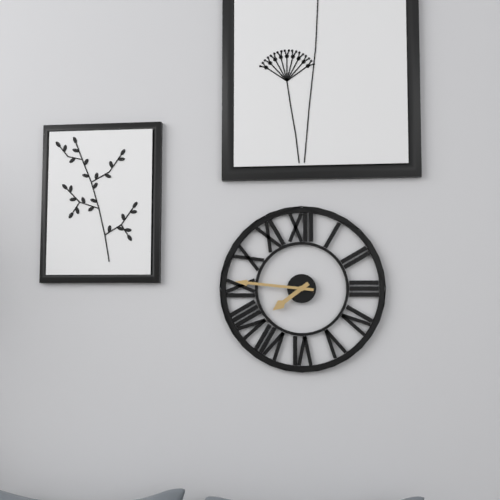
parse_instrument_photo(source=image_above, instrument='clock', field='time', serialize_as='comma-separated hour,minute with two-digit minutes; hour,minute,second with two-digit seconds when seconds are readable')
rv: 7,46
